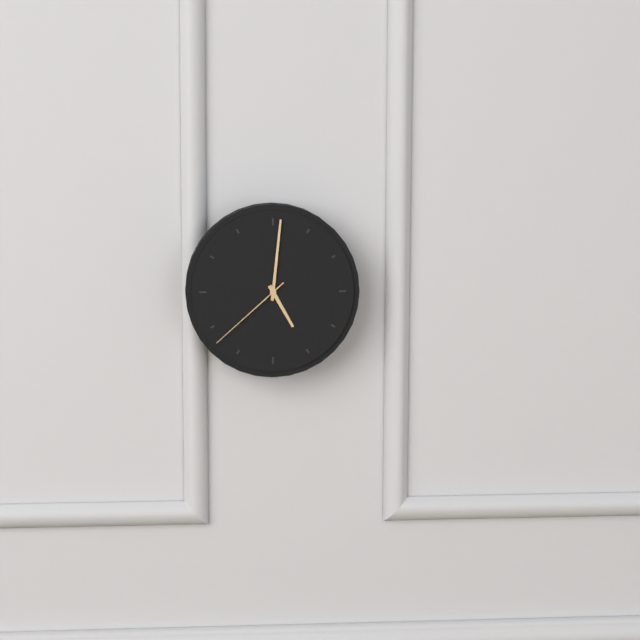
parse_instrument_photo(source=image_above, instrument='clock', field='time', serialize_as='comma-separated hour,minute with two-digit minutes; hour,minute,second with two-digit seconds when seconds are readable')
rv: 5,01,38
